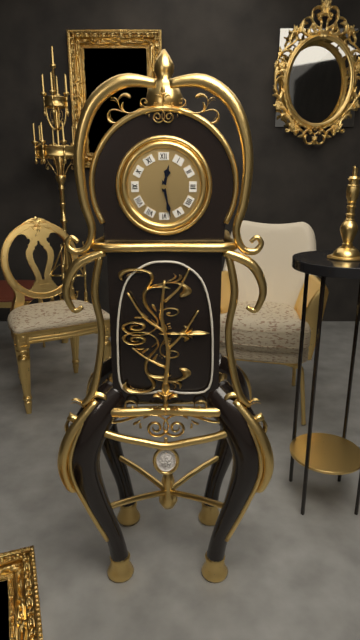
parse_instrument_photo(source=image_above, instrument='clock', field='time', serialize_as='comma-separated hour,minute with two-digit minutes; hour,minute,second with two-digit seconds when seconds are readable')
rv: 12,28
